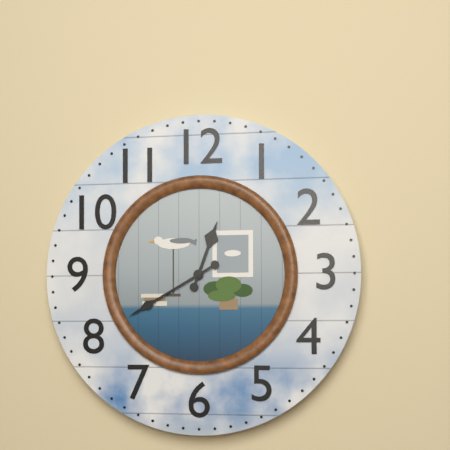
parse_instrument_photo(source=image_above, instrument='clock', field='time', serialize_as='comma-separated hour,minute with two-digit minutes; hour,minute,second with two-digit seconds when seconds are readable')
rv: 12,40
